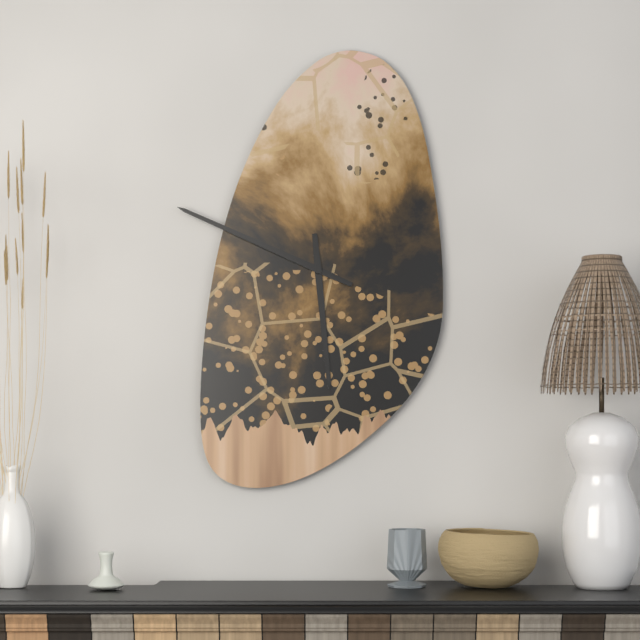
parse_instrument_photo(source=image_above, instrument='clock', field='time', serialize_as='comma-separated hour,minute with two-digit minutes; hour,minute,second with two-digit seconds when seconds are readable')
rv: 5,49
